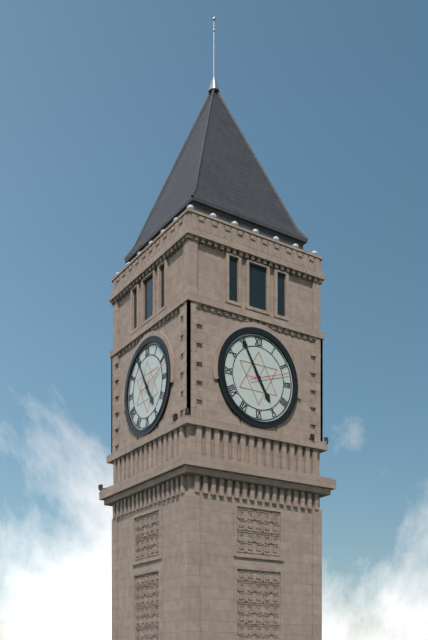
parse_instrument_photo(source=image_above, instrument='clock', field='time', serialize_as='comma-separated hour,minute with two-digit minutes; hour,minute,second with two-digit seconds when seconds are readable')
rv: 4,55
